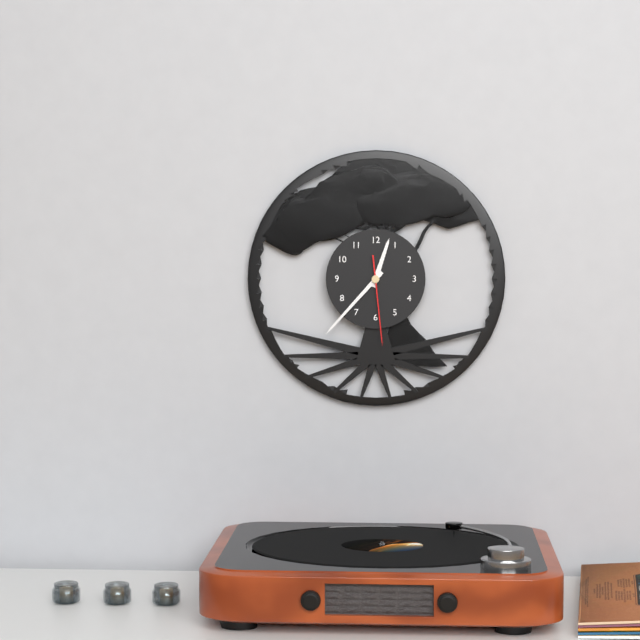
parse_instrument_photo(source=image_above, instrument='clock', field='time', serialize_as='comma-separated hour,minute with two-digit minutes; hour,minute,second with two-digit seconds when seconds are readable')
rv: 12,37,29
